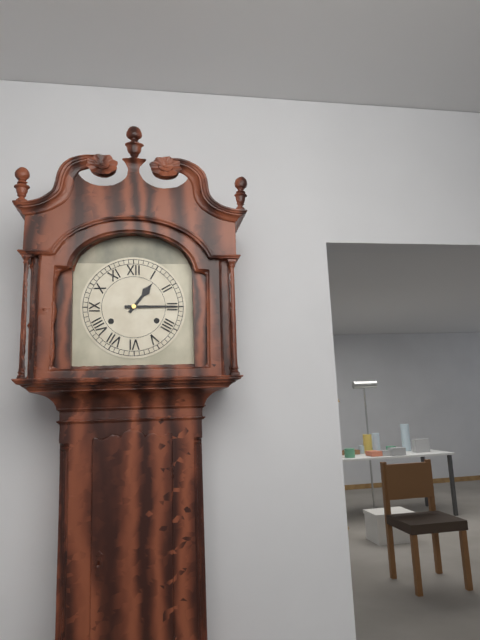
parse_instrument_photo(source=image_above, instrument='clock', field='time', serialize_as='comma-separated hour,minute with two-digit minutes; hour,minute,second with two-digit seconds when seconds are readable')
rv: 1,15
